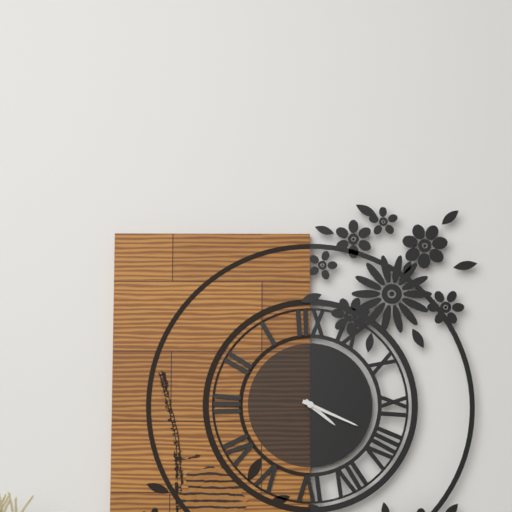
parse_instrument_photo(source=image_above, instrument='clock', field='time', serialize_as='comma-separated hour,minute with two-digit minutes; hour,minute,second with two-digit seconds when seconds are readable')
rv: 4,19
